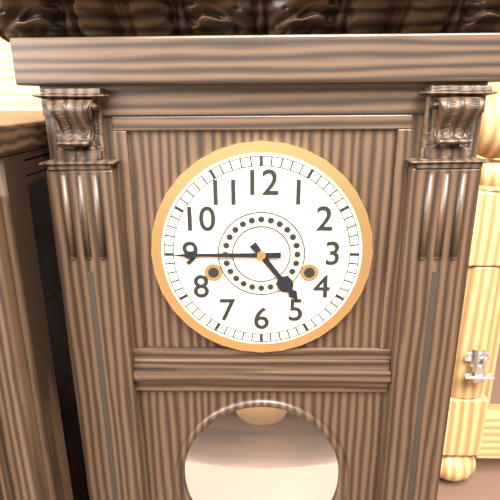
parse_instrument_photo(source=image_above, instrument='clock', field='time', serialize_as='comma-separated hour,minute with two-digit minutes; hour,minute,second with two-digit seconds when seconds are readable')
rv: 4,45
